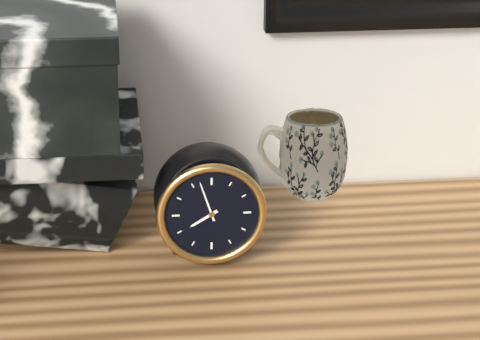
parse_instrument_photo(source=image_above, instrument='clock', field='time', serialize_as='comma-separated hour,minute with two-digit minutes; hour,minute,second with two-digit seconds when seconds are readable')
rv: 7,57
